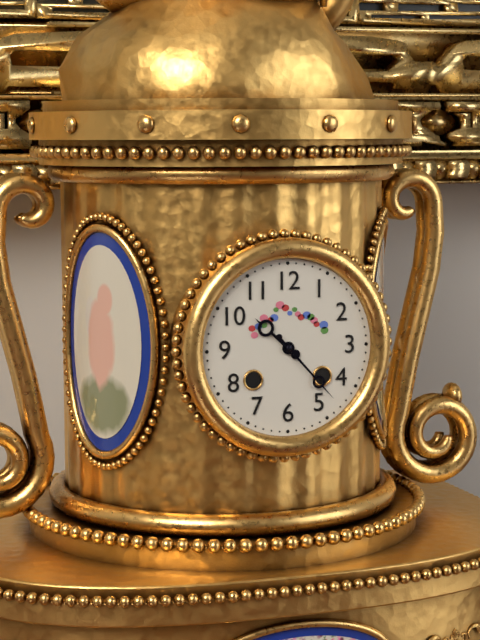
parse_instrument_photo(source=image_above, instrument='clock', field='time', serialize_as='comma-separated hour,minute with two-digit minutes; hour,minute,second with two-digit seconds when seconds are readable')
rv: 10,23
